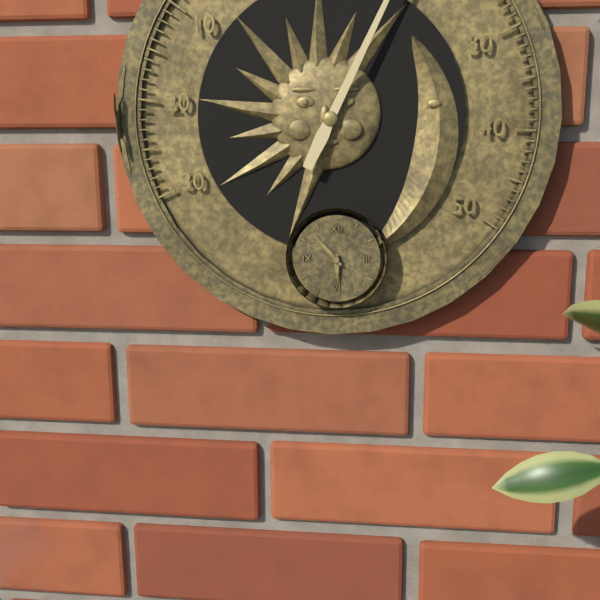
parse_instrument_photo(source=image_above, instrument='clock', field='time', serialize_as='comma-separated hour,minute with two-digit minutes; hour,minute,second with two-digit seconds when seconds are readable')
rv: 5,53
